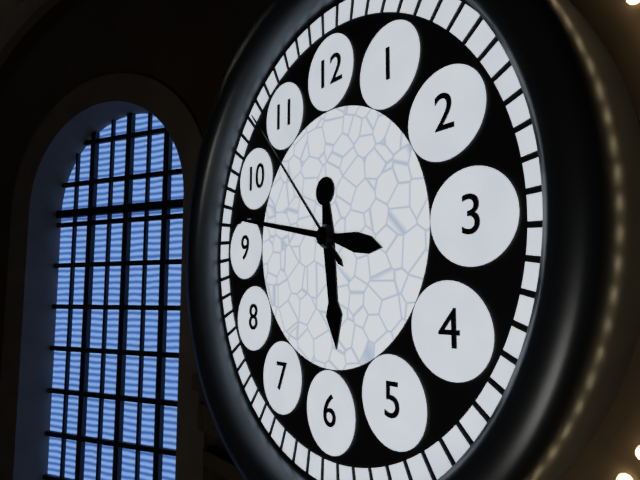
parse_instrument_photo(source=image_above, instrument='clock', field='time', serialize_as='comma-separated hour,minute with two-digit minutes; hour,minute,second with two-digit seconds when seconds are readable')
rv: 5,47,53
